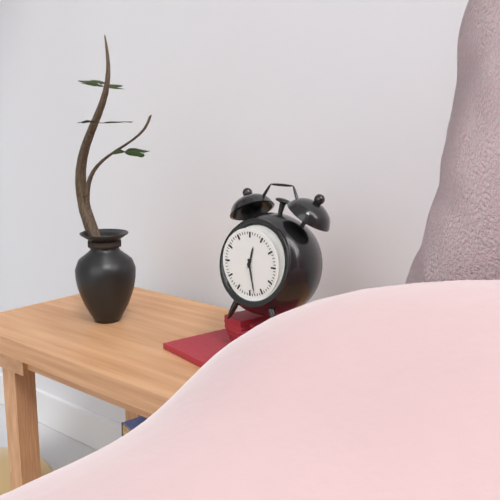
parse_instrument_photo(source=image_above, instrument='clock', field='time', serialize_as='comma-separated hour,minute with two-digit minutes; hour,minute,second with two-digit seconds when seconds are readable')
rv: 12,28
